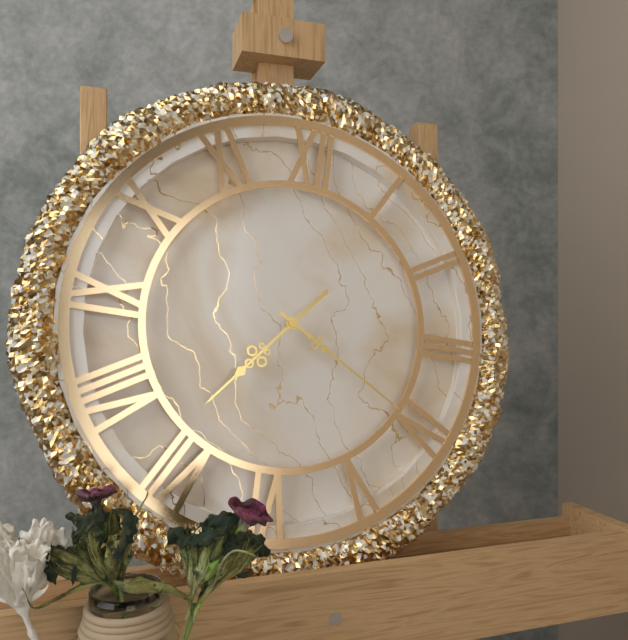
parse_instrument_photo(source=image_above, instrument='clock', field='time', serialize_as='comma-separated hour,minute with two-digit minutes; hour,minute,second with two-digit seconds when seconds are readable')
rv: 7,20
